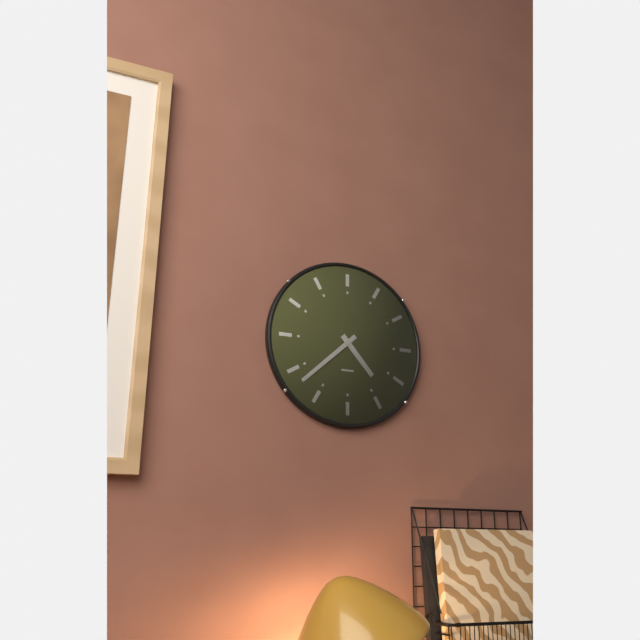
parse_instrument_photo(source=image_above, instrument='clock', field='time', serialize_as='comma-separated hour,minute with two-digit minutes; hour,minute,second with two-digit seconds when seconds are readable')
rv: 4,38
